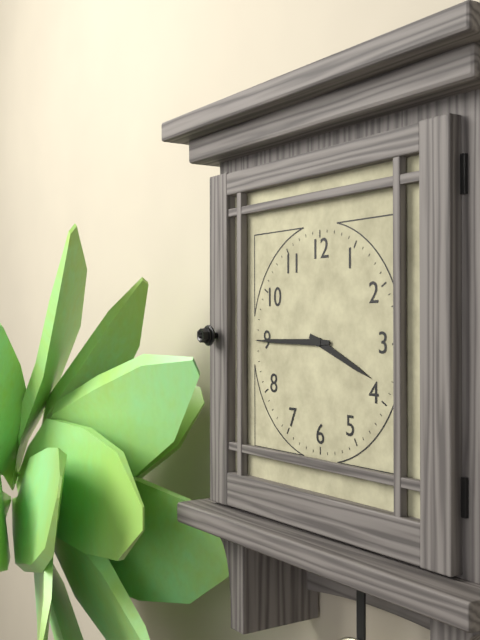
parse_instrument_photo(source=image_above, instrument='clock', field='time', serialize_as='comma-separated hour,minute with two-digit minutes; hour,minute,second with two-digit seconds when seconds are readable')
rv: 3,45
